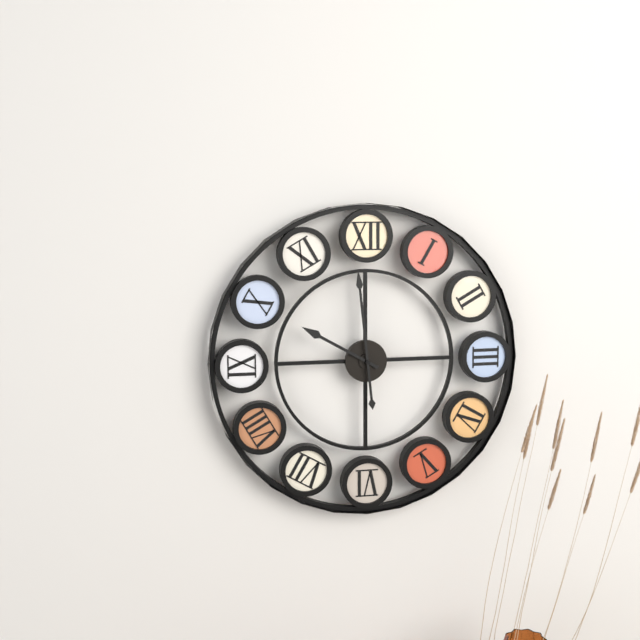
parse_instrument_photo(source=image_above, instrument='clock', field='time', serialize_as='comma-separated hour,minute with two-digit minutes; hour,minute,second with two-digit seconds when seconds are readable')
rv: 9,59
